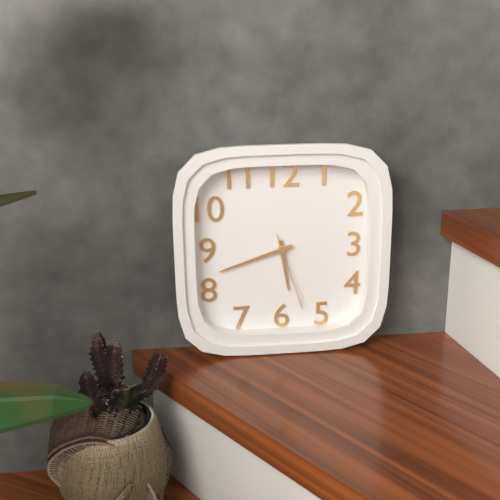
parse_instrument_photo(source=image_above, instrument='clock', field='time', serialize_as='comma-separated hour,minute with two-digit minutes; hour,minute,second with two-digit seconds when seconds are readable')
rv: 5,42,27
